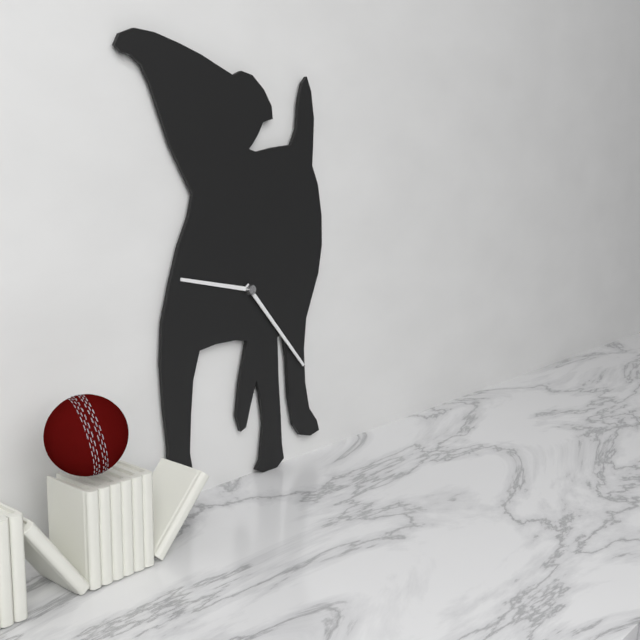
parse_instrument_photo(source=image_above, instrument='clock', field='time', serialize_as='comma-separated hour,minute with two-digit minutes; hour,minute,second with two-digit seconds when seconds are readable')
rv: 9,23
